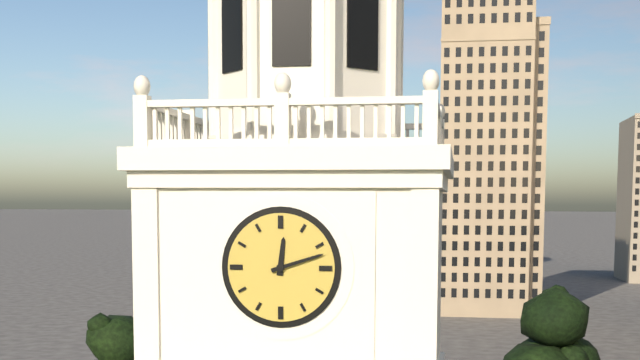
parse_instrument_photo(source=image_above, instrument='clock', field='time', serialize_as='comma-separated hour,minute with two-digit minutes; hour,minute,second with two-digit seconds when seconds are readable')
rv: 12,12
